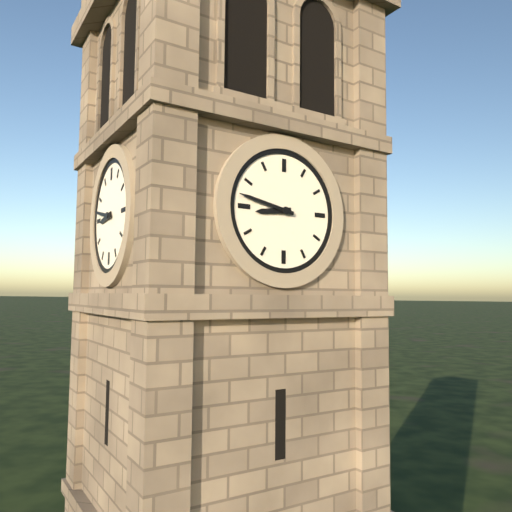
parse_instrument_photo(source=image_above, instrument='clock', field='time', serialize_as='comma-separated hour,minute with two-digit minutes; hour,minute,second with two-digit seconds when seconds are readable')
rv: 8,47
